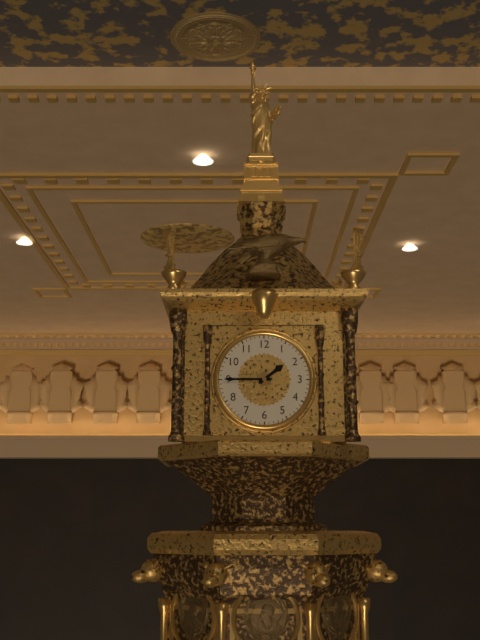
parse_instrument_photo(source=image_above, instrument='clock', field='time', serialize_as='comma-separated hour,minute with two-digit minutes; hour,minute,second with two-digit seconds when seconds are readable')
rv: 1,45
